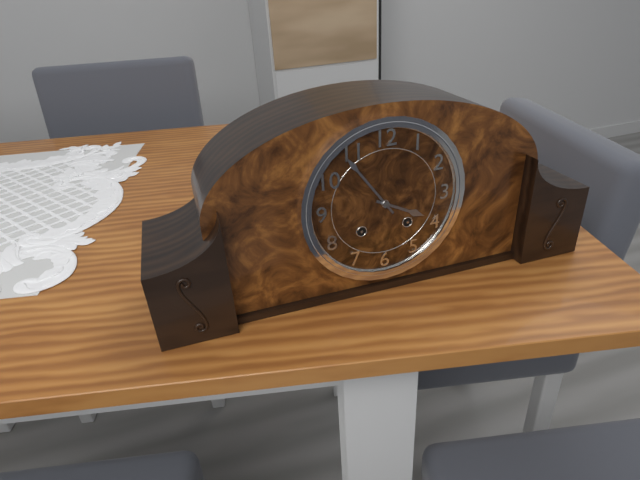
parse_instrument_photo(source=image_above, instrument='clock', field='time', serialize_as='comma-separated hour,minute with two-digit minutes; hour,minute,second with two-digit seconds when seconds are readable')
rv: 3,54
